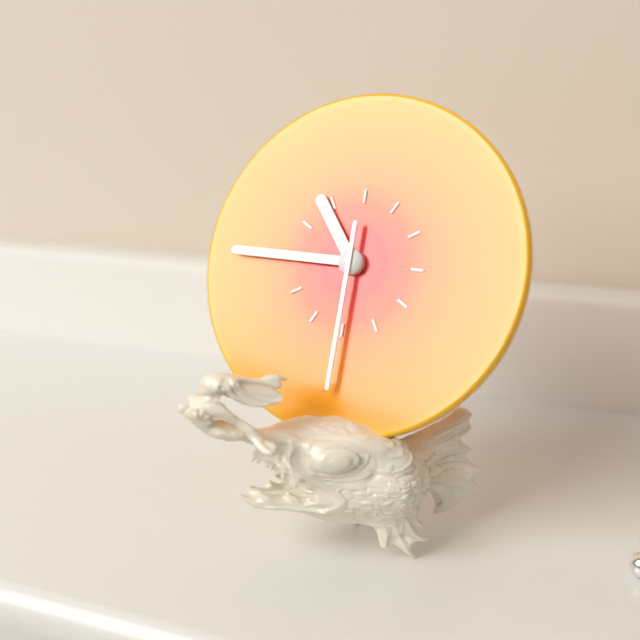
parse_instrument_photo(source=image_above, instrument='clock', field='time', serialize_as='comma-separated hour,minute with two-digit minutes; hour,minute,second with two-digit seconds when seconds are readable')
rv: 10,45,30
